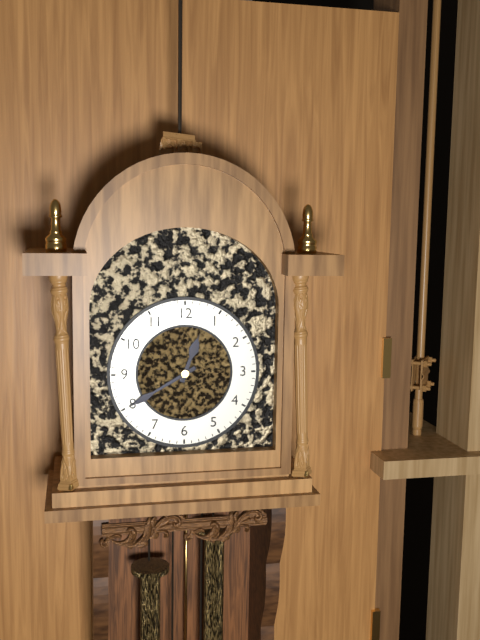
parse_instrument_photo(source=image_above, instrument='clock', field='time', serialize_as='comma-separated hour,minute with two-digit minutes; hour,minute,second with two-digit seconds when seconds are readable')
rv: 12,40
